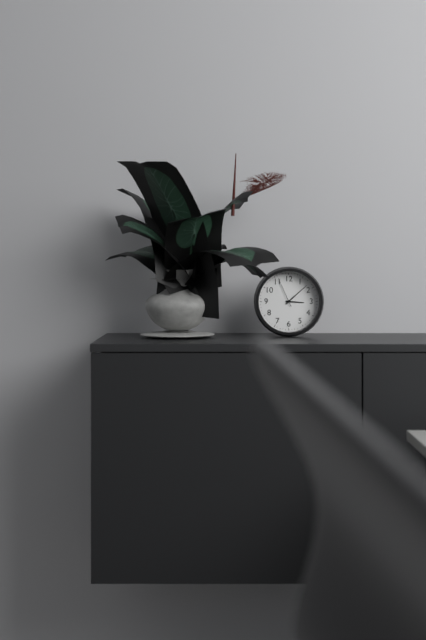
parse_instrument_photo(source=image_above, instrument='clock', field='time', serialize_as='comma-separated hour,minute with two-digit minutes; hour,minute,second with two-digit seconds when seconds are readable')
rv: 3,08
